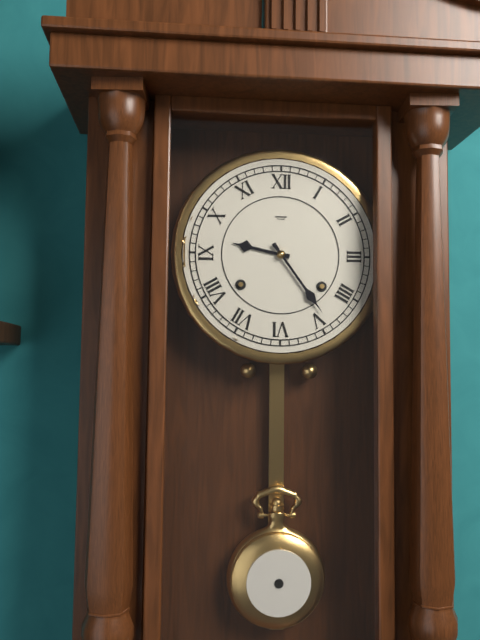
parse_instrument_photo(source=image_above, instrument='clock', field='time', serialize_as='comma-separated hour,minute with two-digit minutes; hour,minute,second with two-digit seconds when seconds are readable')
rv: 9,24
